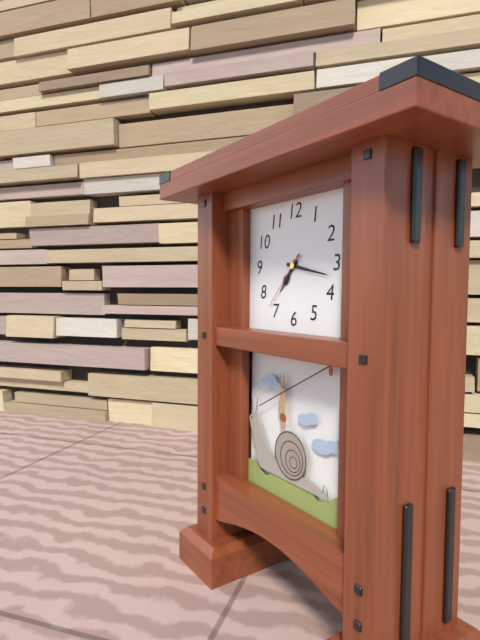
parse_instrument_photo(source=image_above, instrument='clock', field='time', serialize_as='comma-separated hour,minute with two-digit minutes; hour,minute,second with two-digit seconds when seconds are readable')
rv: 7,17,37
